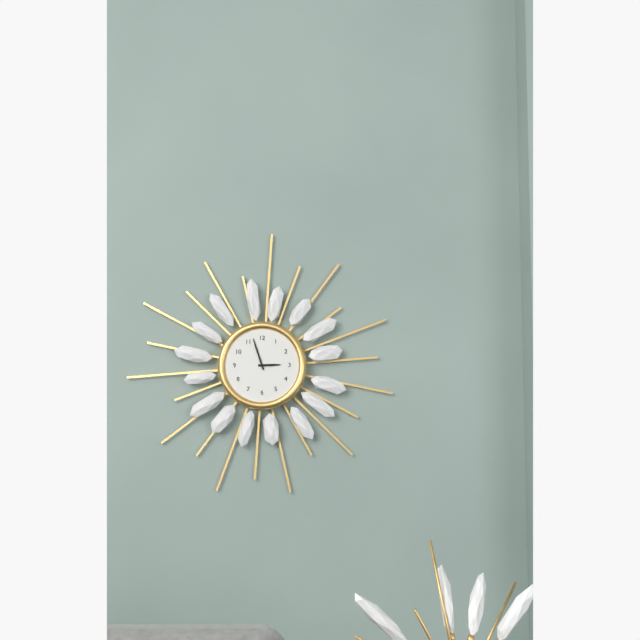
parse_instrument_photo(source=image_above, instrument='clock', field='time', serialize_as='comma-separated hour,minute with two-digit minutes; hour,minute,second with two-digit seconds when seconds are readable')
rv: 2,57
